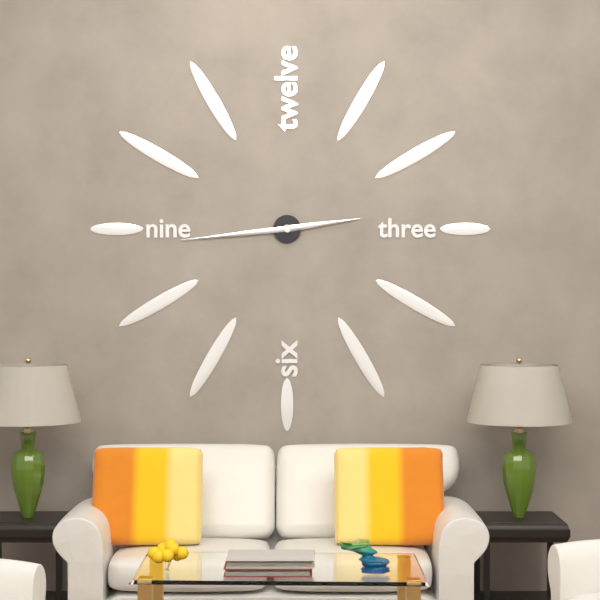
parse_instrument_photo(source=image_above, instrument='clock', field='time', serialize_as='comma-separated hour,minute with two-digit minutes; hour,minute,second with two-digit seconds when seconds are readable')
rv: 2,44
